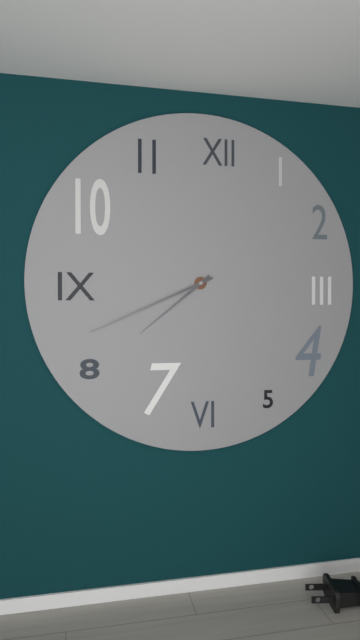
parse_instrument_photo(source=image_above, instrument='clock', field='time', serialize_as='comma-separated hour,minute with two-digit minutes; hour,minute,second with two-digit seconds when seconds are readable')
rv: 7,41
